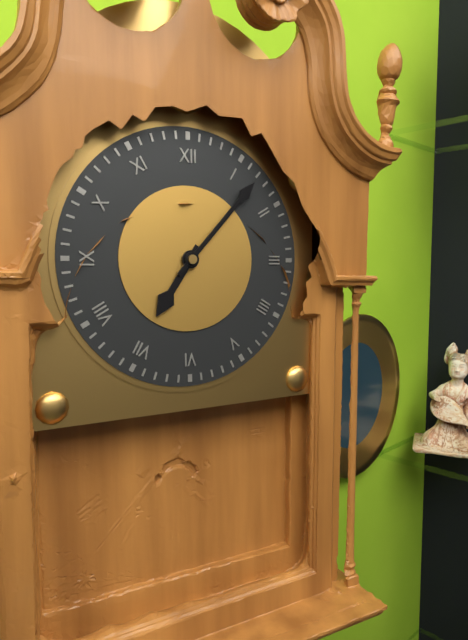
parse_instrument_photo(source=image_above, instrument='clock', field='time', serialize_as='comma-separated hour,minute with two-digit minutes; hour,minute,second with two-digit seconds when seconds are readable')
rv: 7,07
